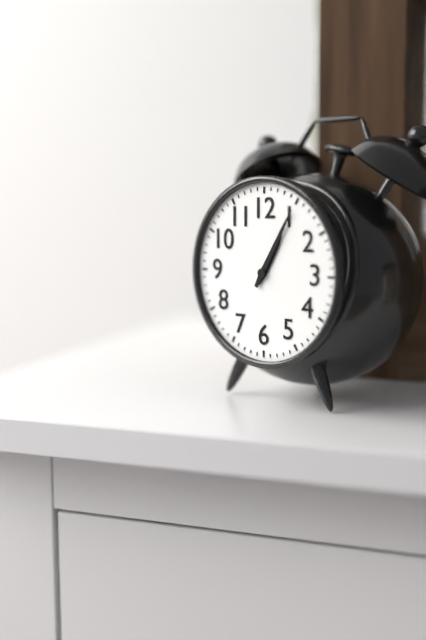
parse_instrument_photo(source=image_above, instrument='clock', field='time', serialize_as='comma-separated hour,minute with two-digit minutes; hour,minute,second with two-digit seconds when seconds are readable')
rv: 1,05
